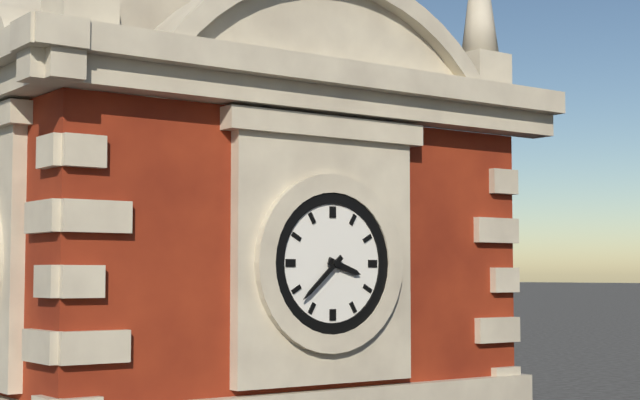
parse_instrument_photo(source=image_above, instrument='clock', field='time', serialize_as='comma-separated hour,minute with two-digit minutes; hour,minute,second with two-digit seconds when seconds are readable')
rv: 3,38
